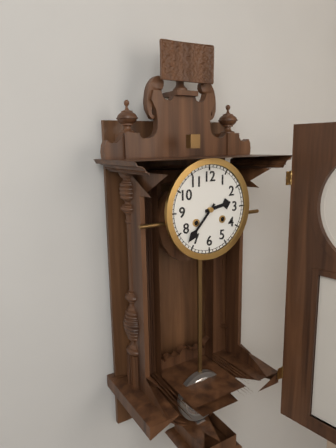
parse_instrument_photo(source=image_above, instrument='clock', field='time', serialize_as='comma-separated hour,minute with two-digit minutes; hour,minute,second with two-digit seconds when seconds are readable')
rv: 2,37
